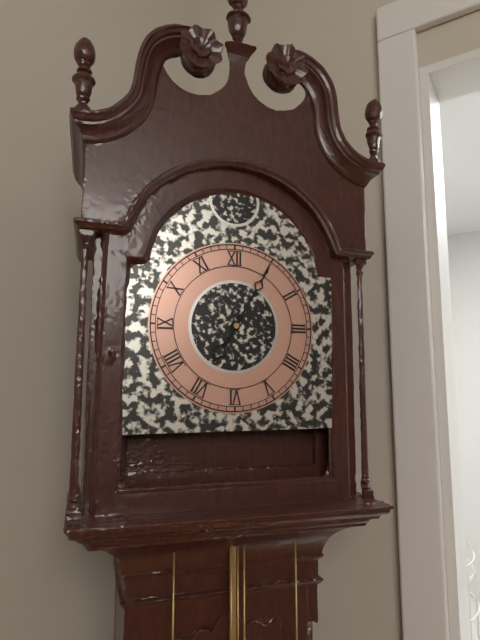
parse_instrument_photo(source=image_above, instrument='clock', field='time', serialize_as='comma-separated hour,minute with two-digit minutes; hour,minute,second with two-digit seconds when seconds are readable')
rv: 7,05
